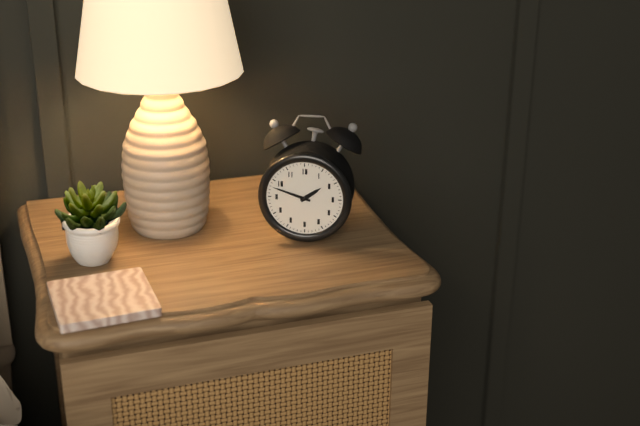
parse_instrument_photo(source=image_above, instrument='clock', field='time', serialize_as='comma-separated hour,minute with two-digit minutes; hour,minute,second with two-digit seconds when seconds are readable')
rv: 1,48
